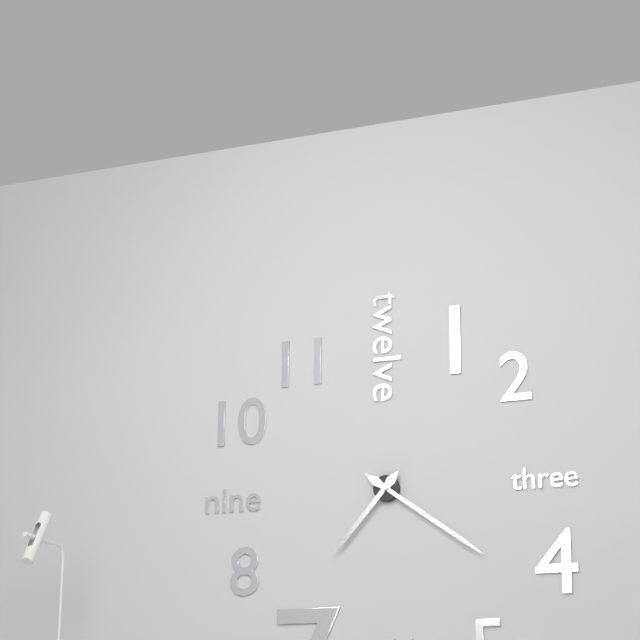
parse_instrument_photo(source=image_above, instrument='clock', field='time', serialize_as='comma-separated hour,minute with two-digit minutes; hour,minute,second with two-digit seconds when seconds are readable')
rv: 7,21
